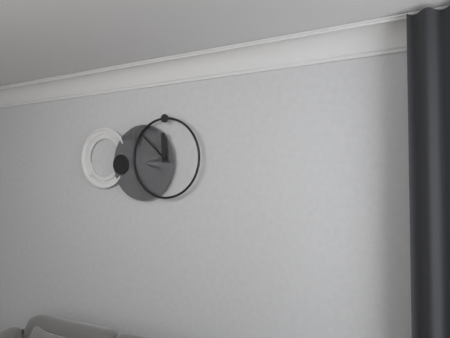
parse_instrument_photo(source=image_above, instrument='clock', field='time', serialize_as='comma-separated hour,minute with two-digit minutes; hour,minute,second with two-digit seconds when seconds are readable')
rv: 11,52
